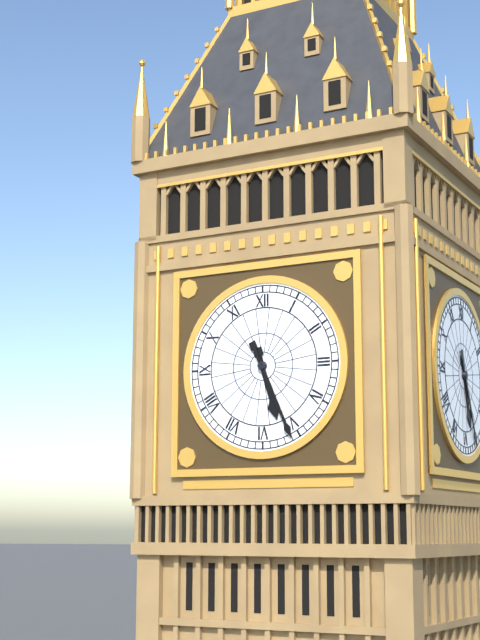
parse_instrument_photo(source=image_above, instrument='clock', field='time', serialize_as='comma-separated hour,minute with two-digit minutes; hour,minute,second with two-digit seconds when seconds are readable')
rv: 5,26
